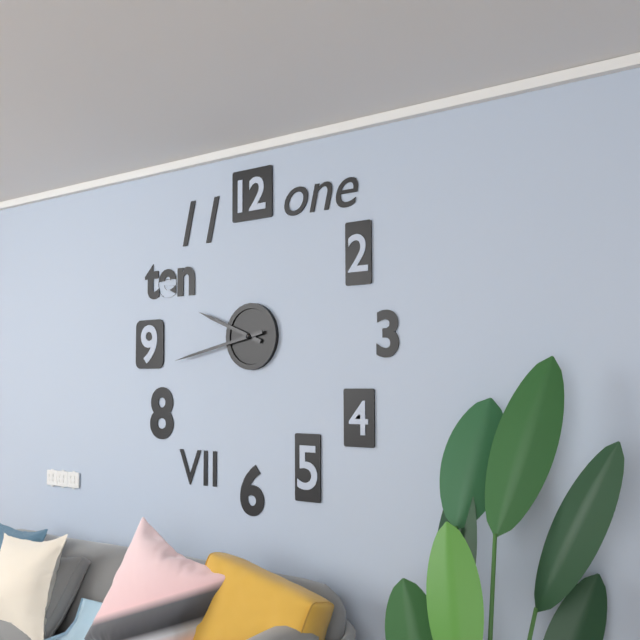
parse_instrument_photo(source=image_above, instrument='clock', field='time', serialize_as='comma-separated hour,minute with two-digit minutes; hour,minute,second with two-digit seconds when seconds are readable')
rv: 9,43
